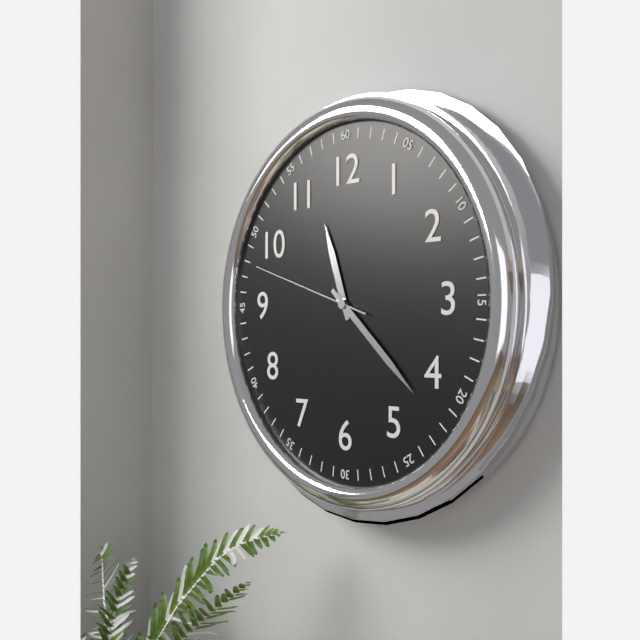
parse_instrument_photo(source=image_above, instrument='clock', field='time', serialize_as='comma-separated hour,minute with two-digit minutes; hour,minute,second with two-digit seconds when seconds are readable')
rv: 11,22,48
